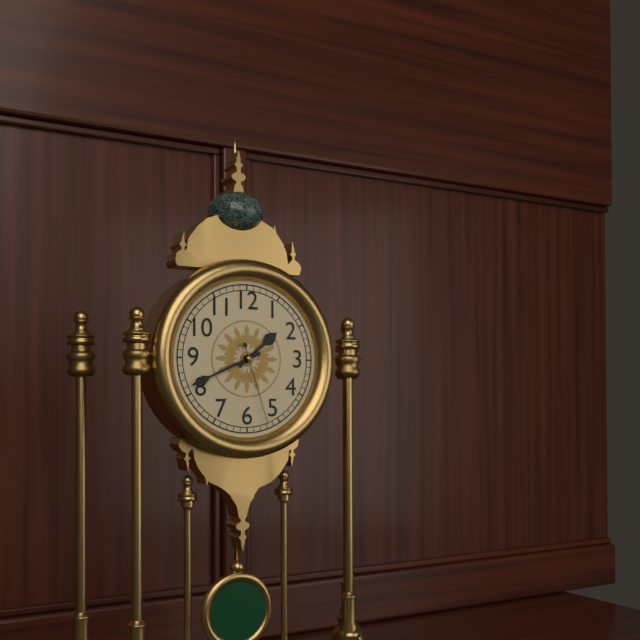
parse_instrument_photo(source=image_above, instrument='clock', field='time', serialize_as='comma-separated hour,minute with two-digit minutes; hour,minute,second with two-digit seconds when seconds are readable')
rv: 1,41,27
